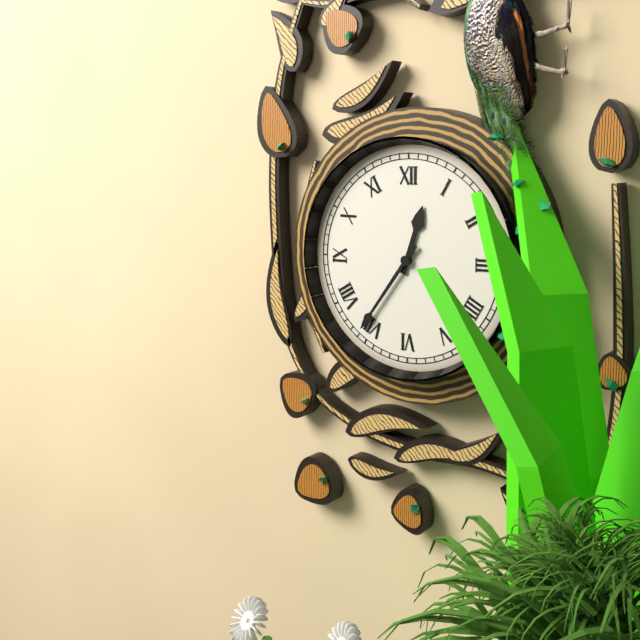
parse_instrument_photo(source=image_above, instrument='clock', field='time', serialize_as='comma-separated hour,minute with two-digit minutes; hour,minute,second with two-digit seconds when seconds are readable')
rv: 12,36
